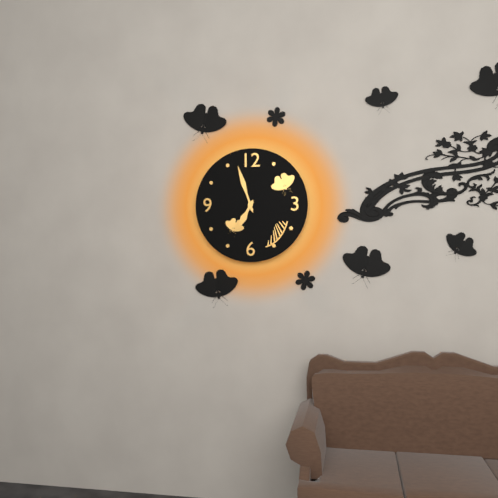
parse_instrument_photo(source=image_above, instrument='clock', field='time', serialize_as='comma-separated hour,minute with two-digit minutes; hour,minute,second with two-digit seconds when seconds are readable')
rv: 6,57
